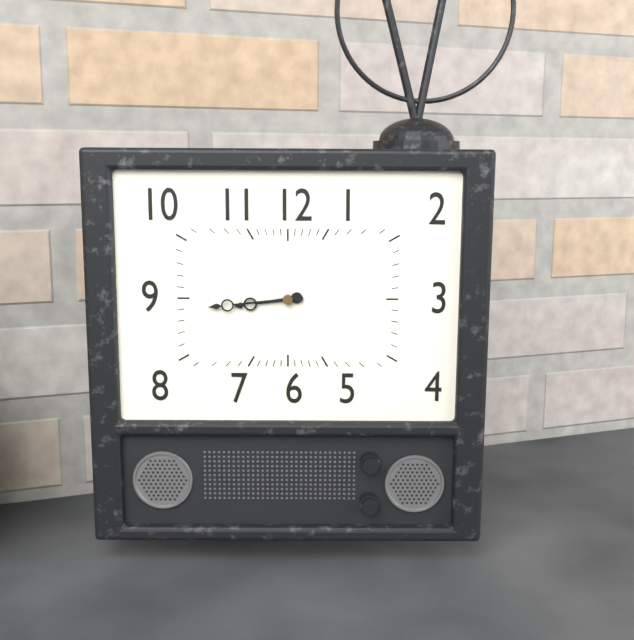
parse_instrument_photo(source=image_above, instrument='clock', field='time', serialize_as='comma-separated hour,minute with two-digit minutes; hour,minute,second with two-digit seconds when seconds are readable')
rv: 8,44
